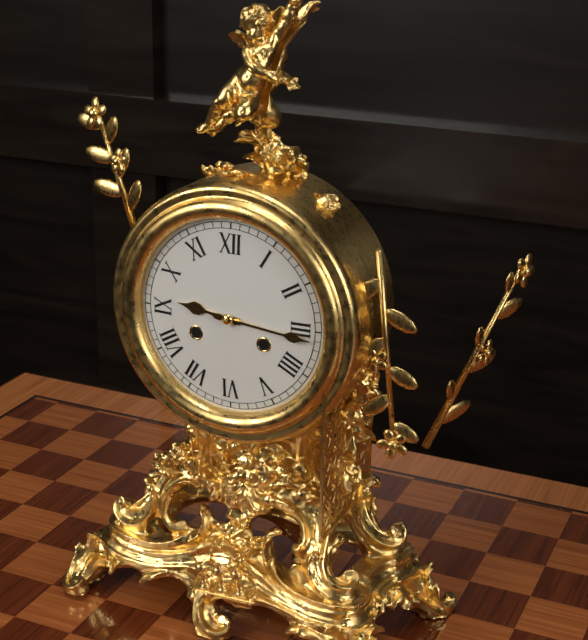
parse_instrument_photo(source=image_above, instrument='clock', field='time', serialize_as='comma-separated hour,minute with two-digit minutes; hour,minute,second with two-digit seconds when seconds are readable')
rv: 9,16
